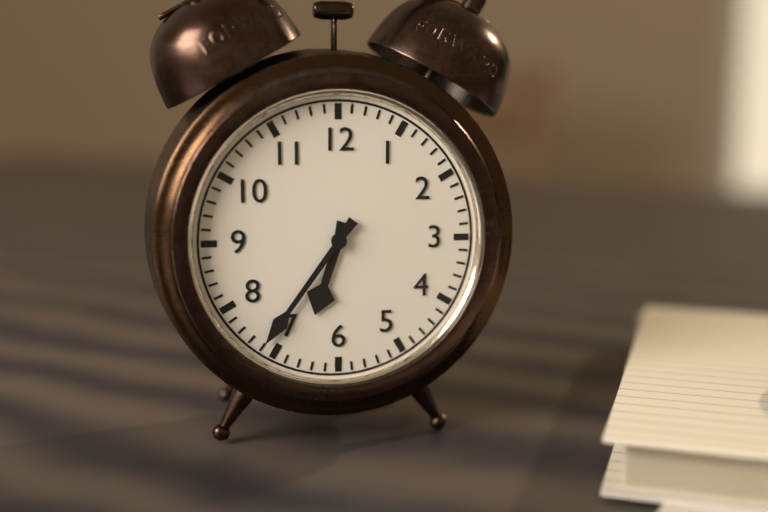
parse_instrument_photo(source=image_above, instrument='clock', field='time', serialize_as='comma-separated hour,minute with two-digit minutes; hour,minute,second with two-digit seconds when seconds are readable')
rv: 6,36
